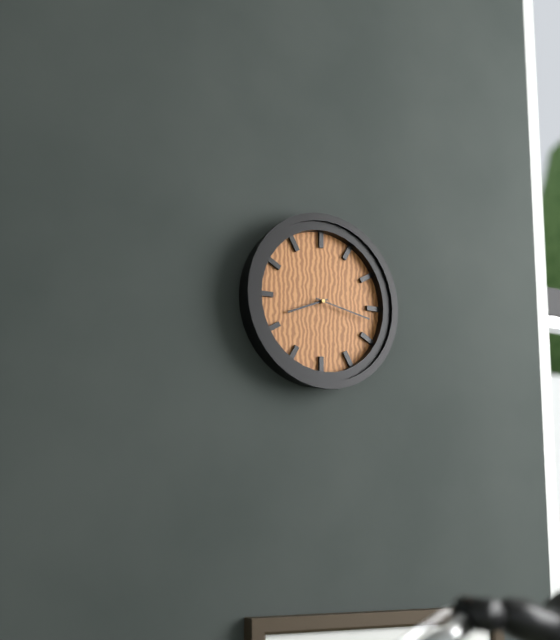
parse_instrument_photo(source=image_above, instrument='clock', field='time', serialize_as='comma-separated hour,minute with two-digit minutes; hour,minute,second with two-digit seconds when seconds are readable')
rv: 8,17
